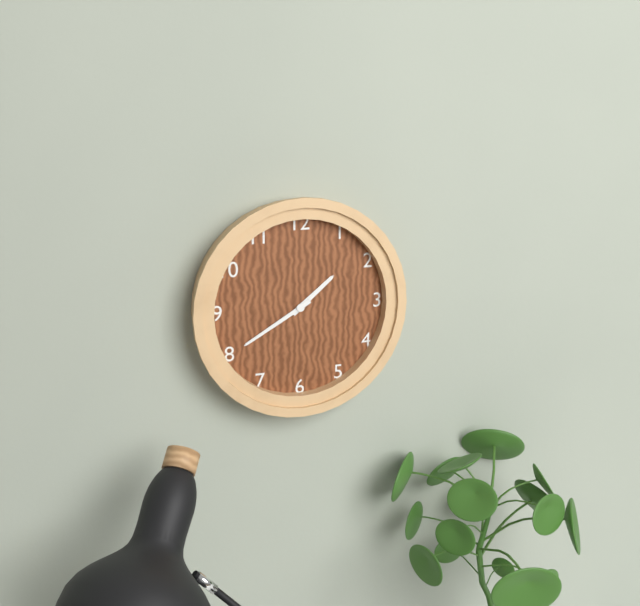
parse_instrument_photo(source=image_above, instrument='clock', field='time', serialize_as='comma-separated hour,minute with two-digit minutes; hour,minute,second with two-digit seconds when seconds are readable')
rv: 1,40
